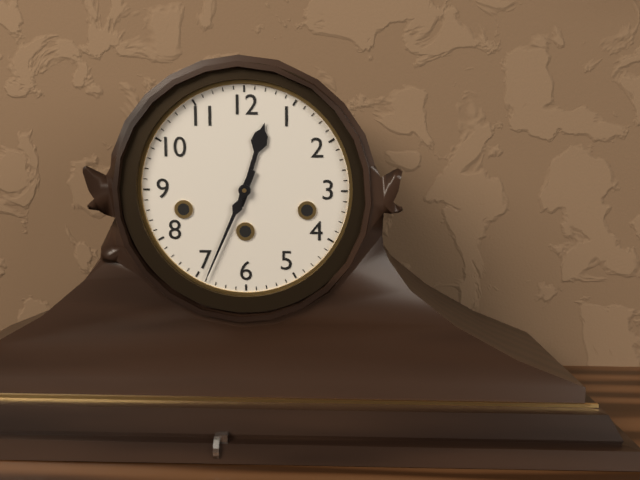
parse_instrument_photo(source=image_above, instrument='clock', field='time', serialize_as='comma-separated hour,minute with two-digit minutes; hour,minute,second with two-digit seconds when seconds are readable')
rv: 12,34
